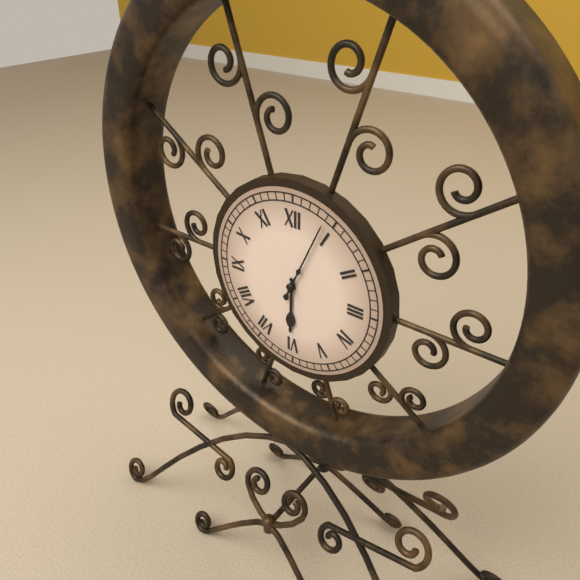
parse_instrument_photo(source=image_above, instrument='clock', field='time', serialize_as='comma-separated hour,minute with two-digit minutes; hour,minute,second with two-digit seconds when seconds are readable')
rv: 6,04
